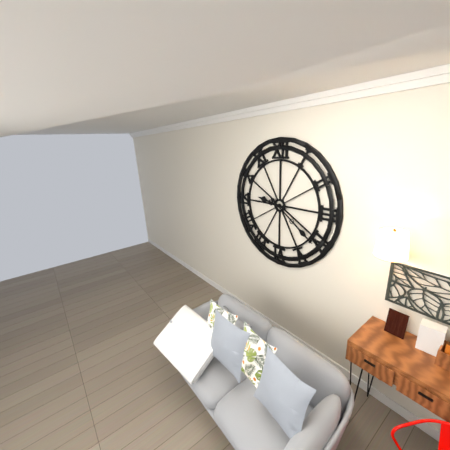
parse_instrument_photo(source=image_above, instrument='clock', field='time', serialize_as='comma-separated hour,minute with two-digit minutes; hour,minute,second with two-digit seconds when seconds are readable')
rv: 9,21
